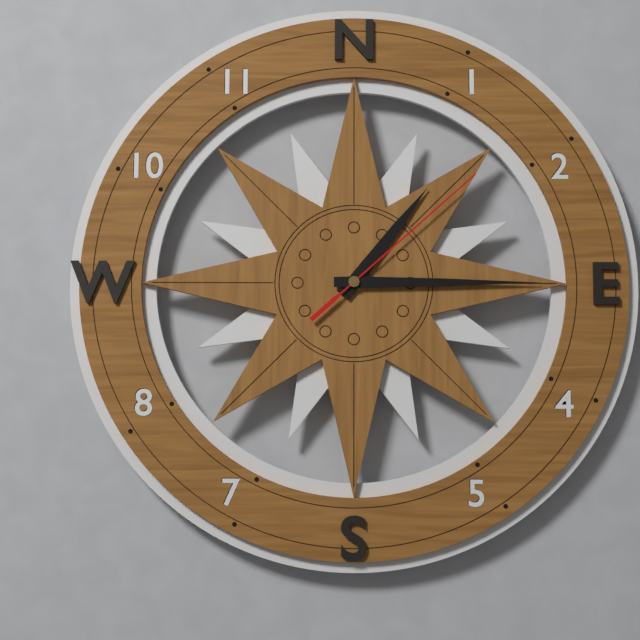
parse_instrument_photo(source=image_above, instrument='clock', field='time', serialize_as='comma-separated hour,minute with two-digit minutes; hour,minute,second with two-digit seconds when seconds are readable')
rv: 1,15,08
